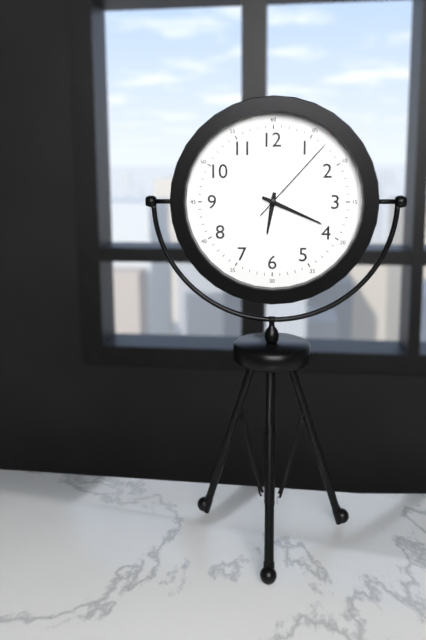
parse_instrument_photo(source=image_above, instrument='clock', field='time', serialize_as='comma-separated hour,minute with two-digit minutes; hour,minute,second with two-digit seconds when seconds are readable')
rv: 6,19,07
